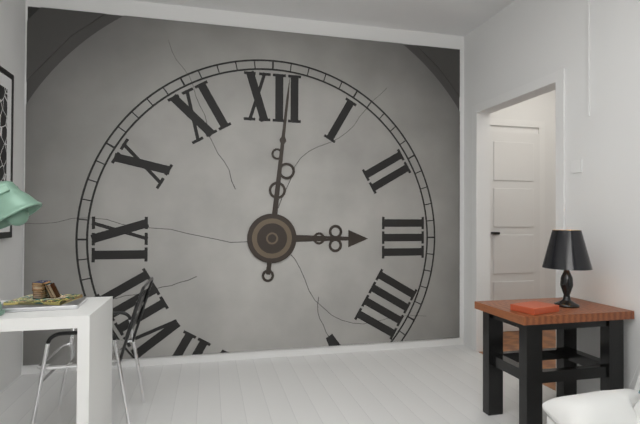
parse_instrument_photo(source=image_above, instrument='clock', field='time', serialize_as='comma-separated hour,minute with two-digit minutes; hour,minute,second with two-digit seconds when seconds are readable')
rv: 3,01
